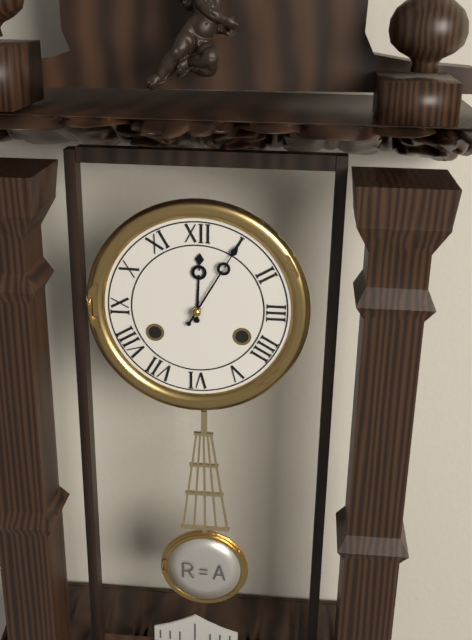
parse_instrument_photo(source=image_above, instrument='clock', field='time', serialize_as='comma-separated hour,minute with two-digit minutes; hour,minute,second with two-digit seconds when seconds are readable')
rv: 12,05
